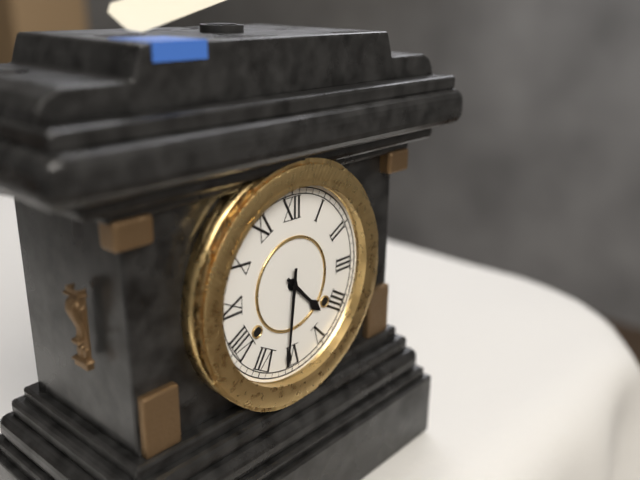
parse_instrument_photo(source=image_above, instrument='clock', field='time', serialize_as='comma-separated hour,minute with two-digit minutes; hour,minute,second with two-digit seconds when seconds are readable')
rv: 4,31
